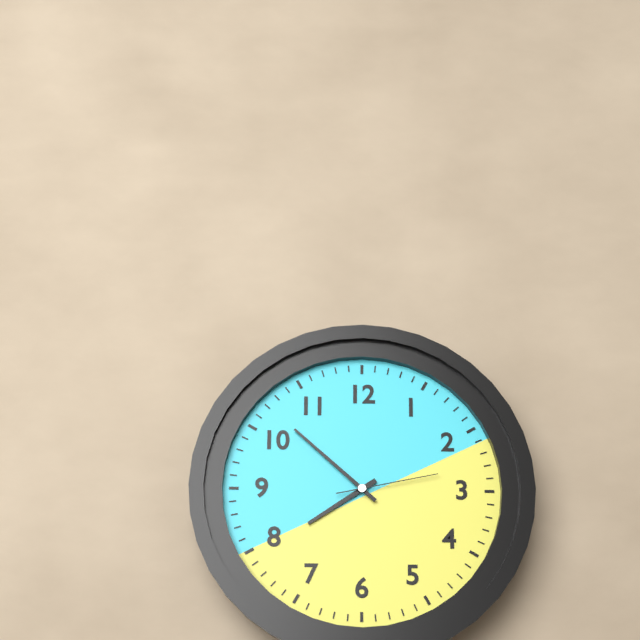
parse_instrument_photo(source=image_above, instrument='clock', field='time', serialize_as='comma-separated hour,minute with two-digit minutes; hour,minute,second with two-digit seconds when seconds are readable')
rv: 7,52,13
